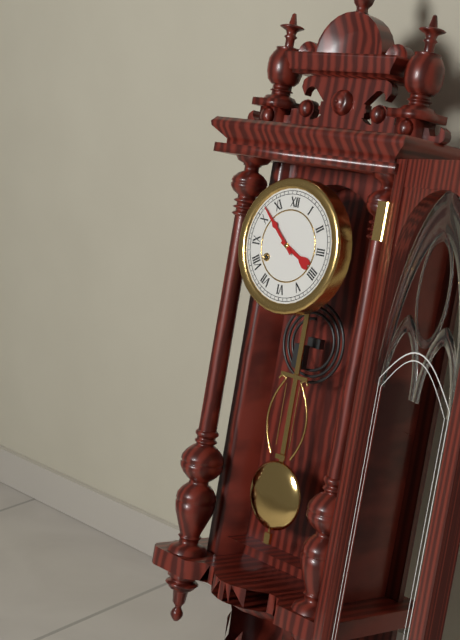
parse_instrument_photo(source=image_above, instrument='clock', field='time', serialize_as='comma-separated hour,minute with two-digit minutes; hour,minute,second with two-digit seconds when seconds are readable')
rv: 3,52
